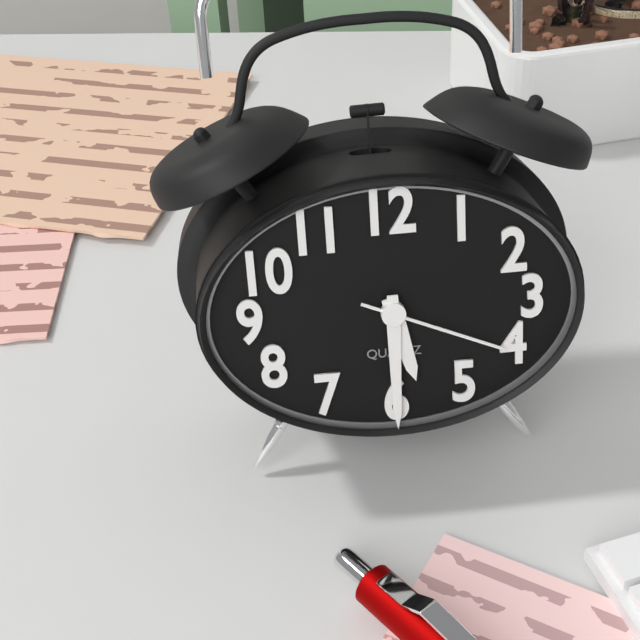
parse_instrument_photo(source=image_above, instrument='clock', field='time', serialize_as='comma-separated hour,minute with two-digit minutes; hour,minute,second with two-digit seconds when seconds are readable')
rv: 5,30,19
